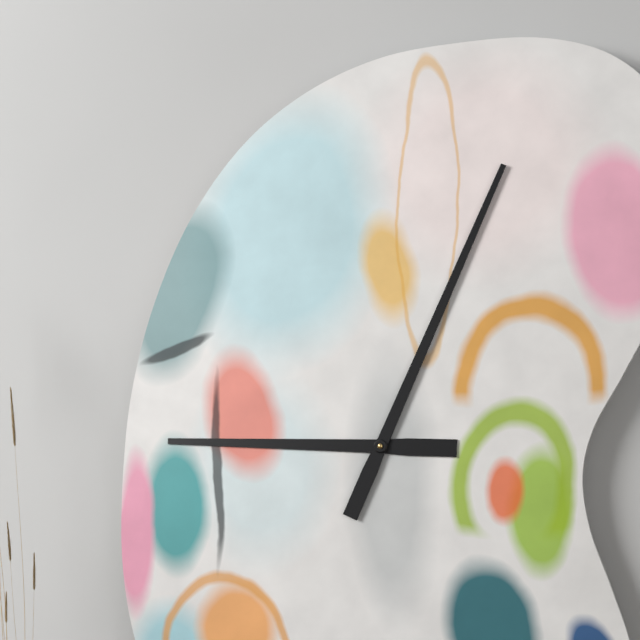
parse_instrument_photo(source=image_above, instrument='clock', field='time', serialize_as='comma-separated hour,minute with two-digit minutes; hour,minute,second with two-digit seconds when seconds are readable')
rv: 9,04
